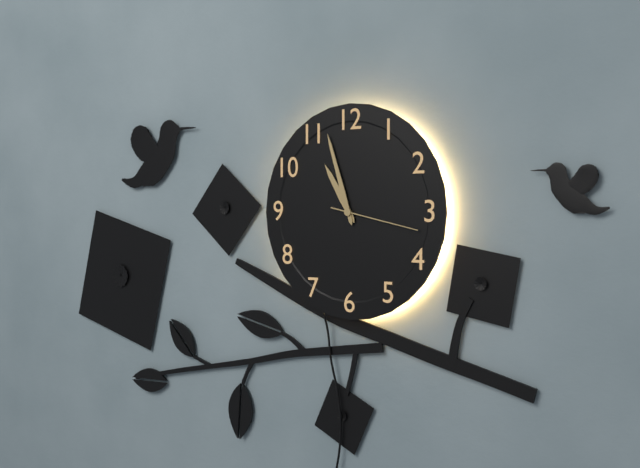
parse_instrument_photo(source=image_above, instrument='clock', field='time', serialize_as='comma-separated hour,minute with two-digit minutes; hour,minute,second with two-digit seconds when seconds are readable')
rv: 10,57,17
